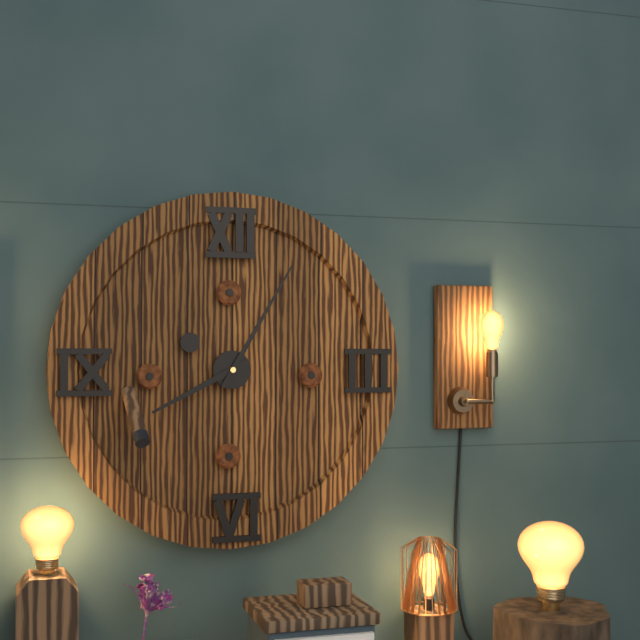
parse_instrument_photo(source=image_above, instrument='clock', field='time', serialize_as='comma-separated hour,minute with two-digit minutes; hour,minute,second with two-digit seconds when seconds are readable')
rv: 8,05
